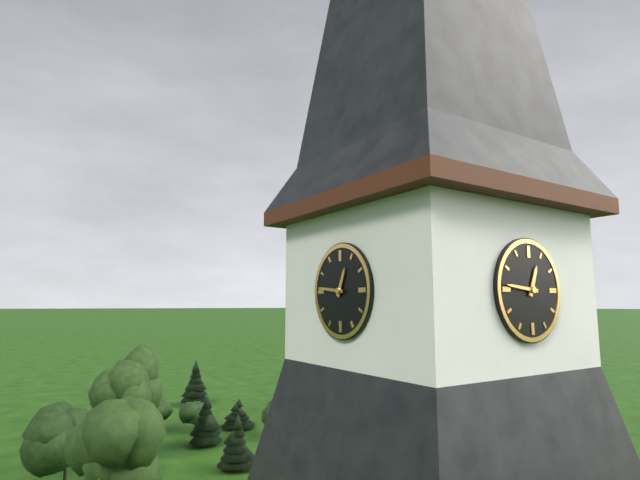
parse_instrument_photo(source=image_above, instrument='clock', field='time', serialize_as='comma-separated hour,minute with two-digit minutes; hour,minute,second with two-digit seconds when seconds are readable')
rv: 12,46
